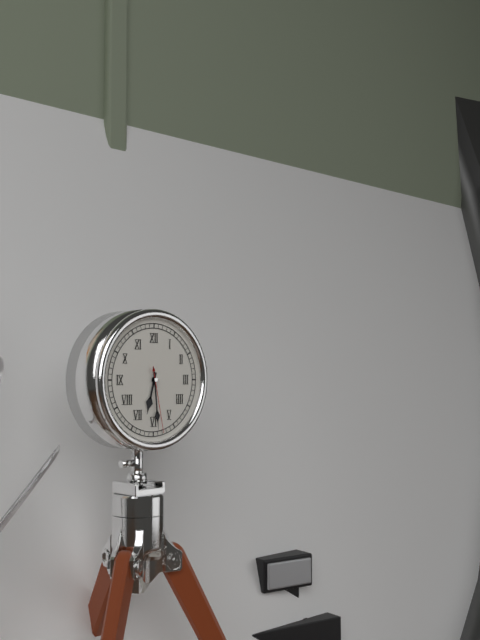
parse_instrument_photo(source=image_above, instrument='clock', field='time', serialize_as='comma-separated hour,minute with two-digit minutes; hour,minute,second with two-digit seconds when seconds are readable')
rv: 6,29,28
